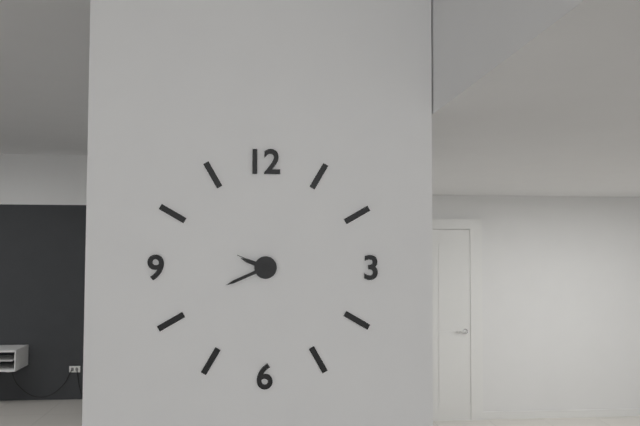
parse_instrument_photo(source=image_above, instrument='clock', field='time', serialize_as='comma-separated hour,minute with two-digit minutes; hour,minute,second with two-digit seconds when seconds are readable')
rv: 9,41
